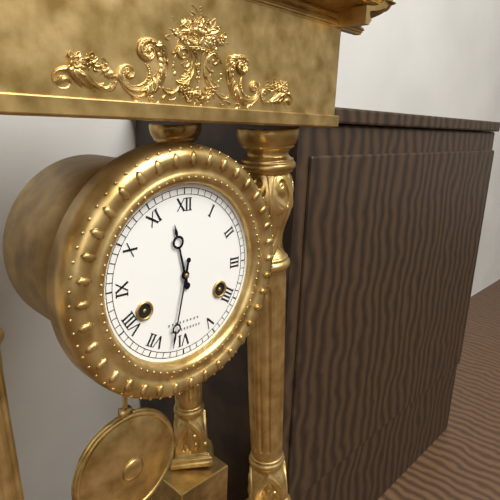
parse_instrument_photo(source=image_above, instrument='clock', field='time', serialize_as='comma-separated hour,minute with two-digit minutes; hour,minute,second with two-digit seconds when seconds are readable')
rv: 11,32
